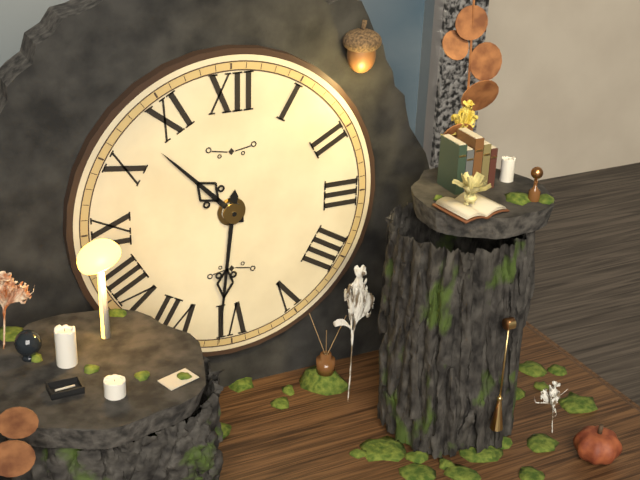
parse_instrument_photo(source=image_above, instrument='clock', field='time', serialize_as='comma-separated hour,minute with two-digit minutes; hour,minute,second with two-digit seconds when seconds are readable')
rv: 10,31
